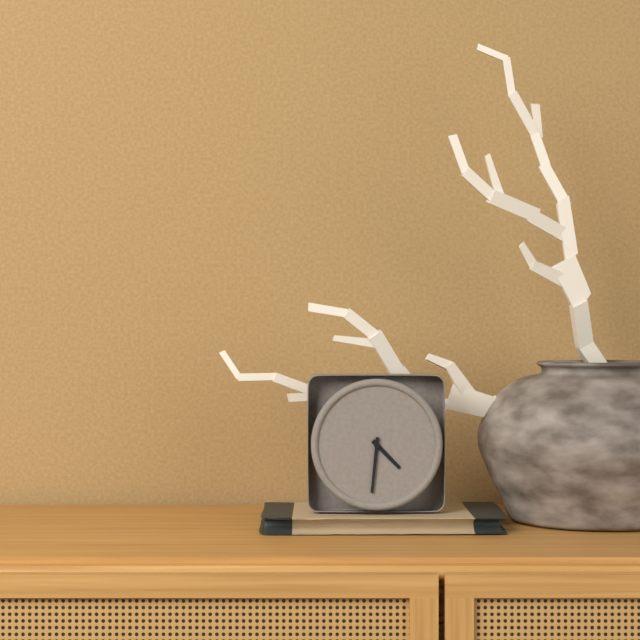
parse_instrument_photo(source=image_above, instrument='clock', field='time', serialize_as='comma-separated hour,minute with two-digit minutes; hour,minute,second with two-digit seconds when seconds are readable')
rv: 4,31
